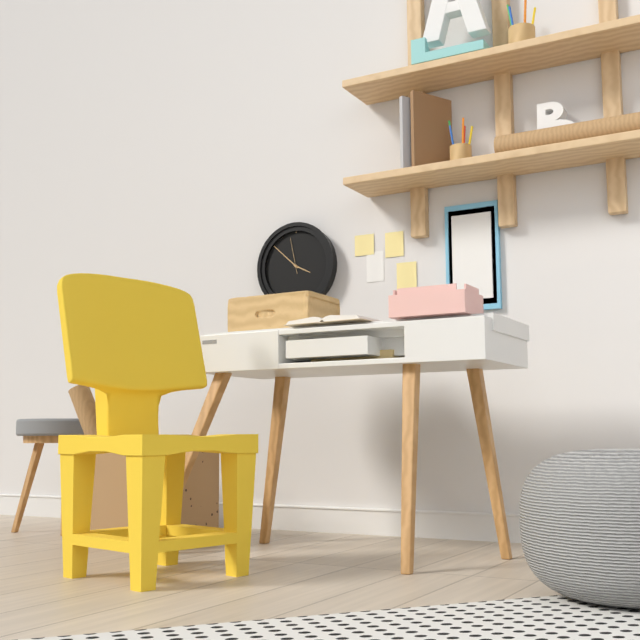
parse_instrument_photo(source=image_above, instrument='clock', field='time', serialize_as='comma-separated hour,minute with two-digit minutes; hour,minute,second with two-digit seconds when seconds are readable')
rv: 3,52
